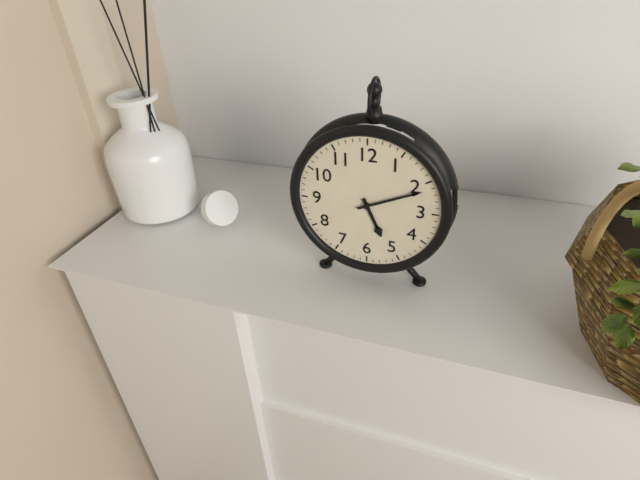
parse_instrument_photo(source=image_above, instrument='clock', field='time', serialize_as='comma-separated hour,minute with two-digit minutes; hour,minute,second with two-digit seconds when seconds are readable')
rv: 5,11
